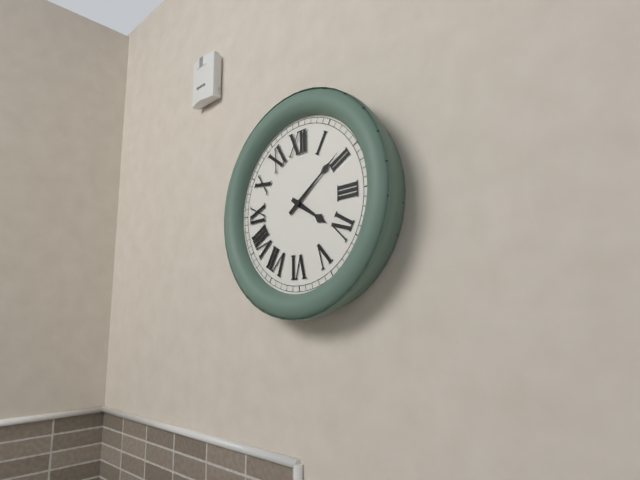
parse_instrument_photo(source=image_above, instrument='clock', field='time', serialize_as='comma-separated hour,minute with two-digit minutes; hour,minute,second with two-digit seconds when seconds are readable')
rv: 4,09
